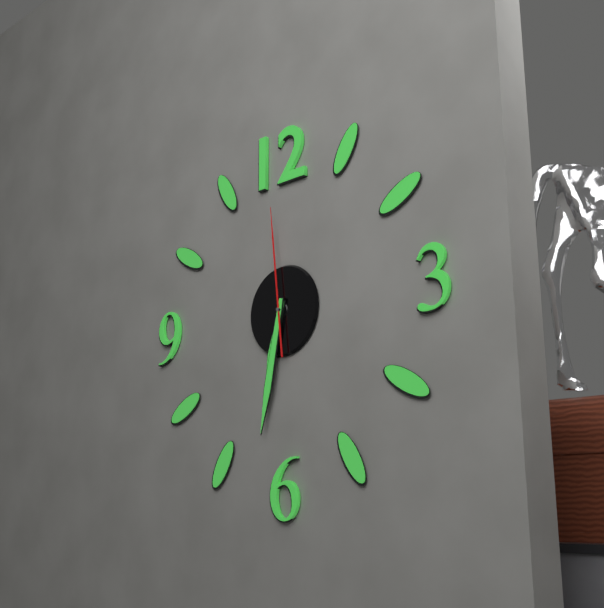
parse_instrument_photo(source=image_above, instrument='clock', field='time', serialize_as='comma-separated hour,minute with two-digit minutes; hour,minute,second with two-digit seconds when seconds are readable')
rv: 6,32,59
